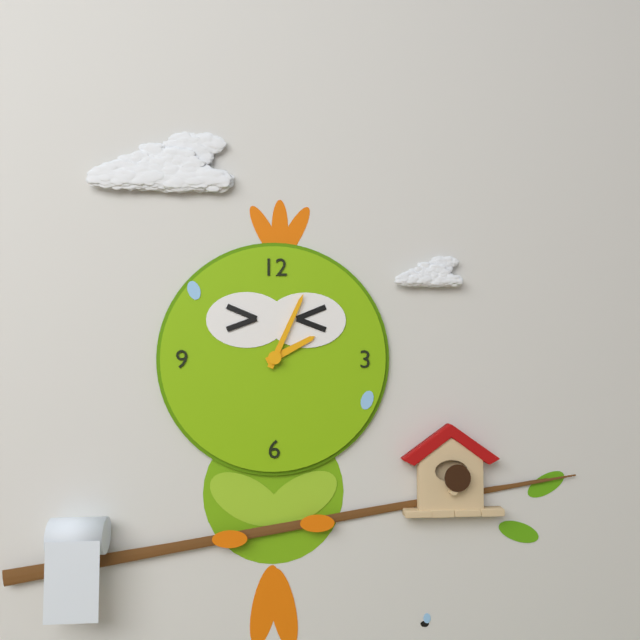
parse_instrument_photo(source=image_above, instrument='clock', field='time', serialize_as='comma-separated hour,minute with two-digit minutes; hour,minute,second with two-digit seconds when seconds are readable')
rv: 2,04
